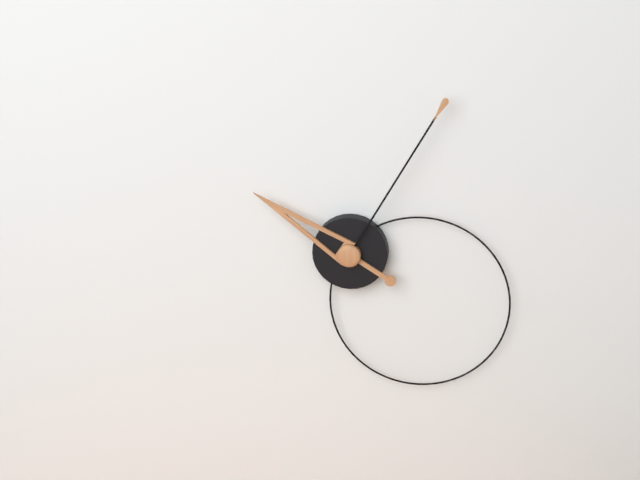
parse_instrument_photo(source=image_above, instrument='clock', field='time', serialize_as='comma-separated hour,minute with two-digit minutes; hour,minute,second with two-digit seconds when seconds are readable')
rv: 10,05
